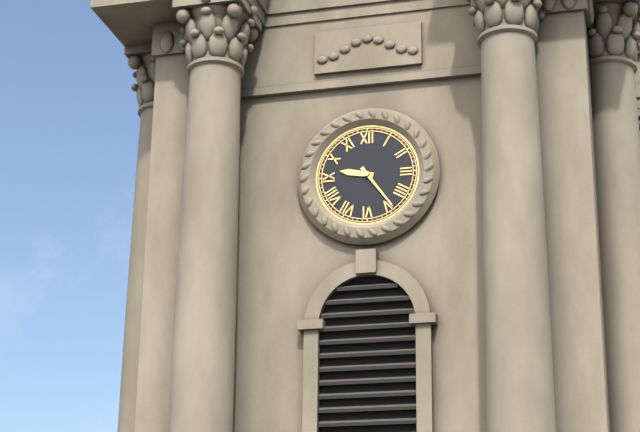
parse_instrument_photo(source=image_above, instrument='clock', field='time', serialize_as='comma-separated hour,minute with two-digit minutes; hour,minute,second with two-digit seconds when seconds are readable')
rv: 9,24
